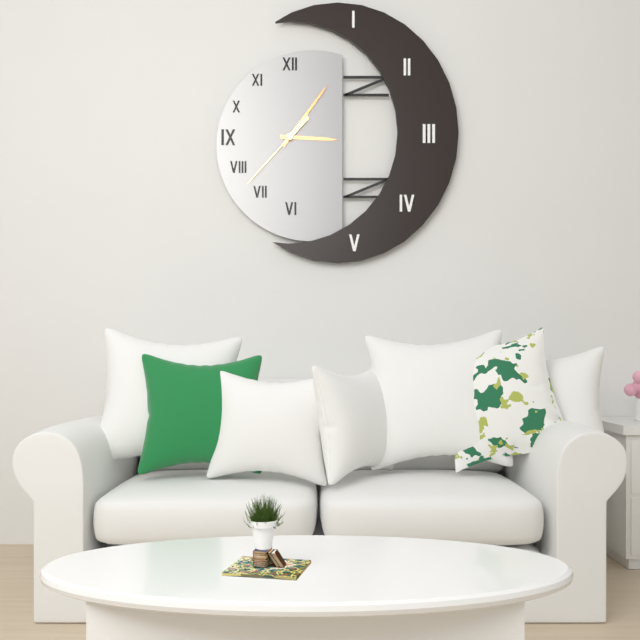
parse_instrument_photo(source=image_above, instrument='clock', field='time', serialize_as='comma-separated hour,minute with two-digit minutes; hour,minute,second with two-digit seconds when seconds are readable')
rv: 3,06,37
